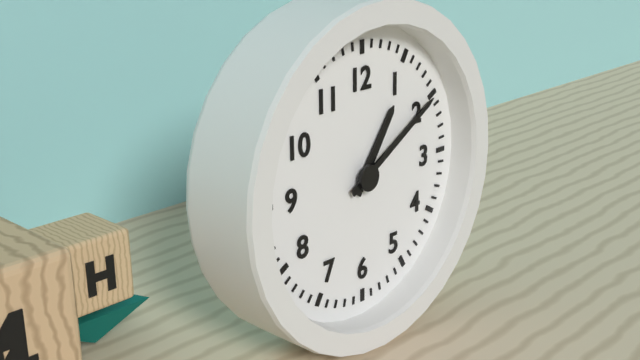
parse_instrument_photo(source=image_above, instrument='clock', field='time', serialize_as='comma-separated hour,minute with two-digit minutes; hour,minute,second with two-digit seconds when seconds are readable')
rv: 1,10
